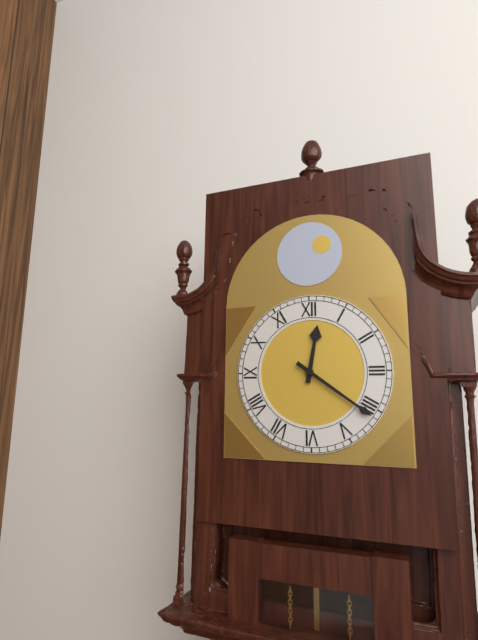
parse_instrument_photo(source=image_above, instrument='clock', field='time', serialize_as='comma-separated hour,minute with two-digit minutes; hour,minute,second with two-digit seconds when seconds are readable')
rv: 12,21
